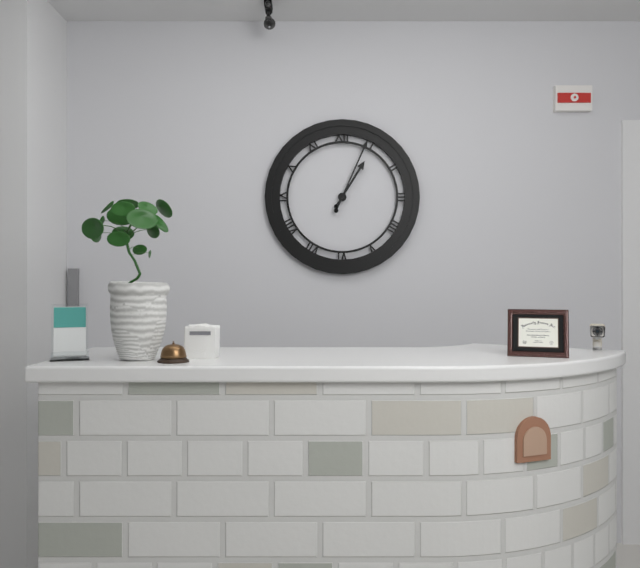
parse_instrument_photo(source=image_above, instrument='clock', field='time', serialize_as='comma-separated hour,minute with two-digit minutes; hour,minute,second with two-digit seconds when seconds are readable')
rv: 1,04
